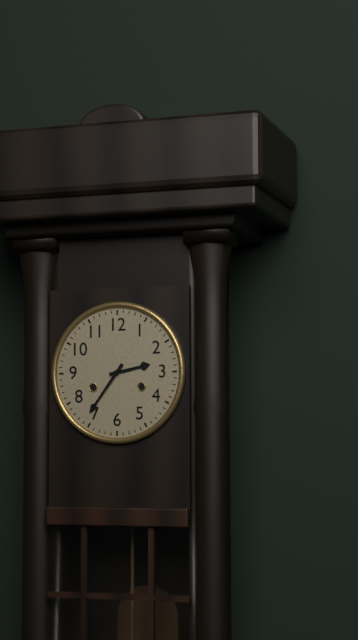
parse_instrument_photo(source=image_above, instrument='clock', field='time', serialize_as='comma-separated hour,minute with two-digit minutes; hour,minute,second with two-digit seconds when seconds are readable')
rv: 2,36
